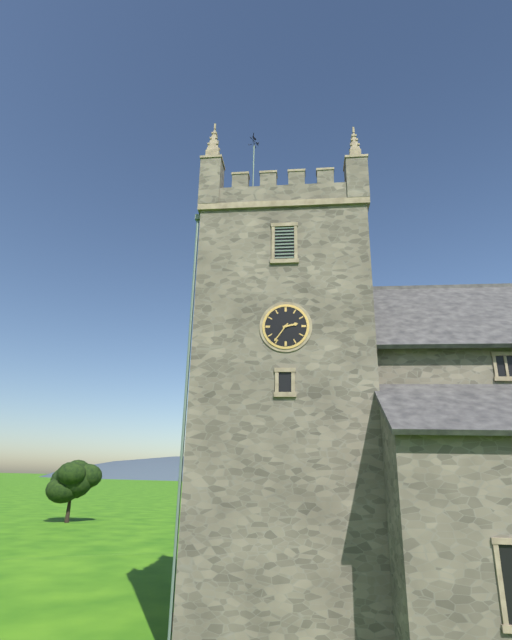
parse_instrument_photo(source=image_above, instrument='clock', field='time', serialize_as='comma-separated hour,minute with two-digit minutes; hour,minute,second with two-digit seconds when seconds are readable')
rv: 2,36
